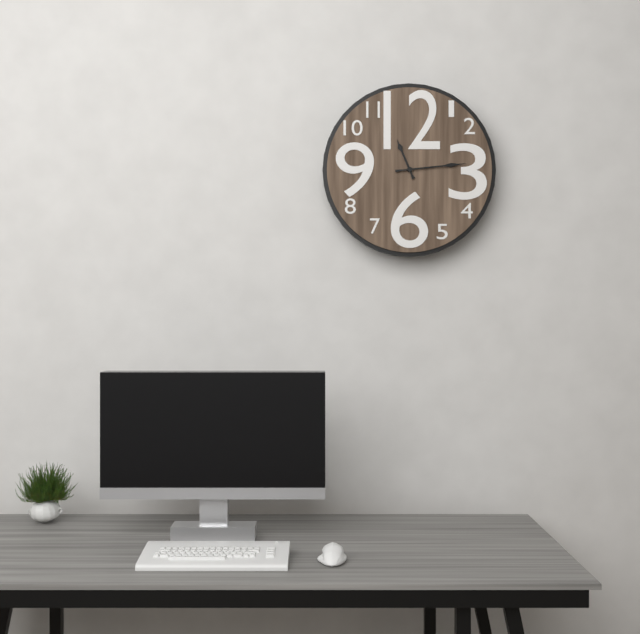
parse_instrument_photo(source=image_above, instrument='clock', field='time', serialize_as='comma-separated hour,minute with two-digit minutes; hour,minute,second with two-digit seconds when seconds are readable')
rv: 11,14
